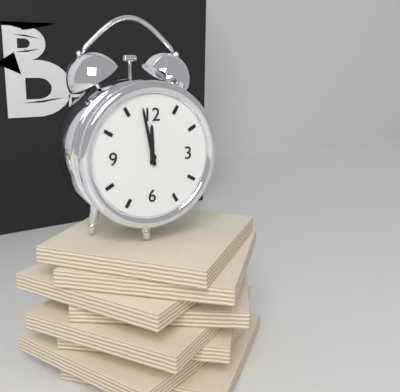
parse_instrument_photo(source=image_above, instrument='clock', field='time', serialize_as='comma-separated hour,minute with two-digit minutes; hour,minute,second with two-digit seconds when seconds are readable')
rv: 11,58
